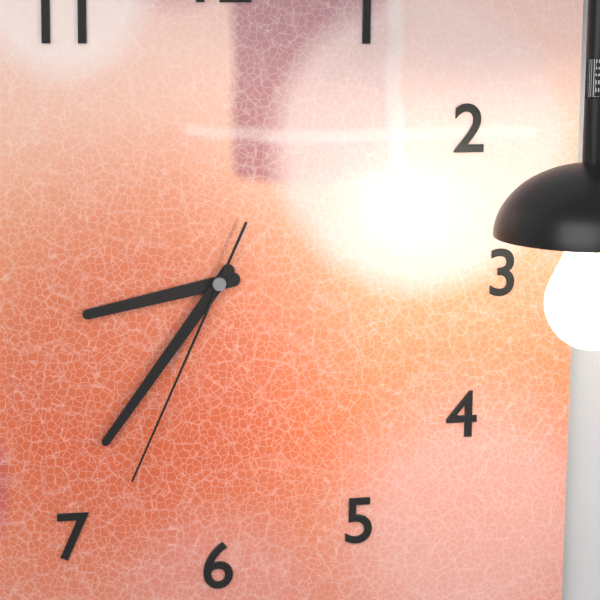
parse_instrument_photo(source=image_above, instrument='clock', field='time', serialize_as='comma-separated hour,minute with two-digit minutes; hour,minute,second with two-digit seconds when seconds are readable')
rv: 8,36,34
